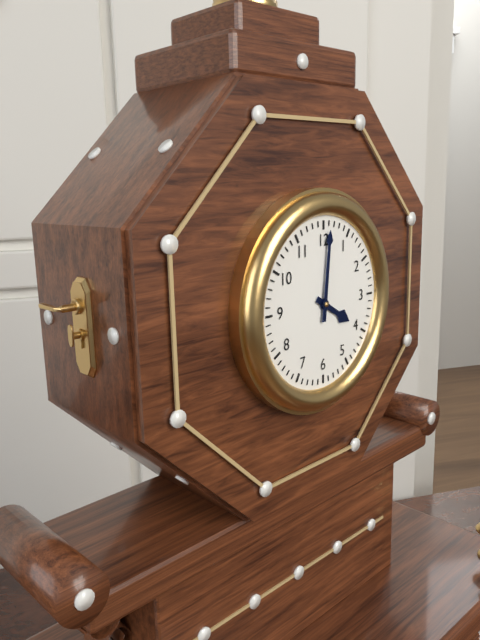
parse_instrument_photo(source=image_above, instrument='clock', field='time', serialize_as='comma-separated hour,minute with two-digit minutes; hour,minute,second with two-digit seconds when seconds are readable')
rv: 4,01
